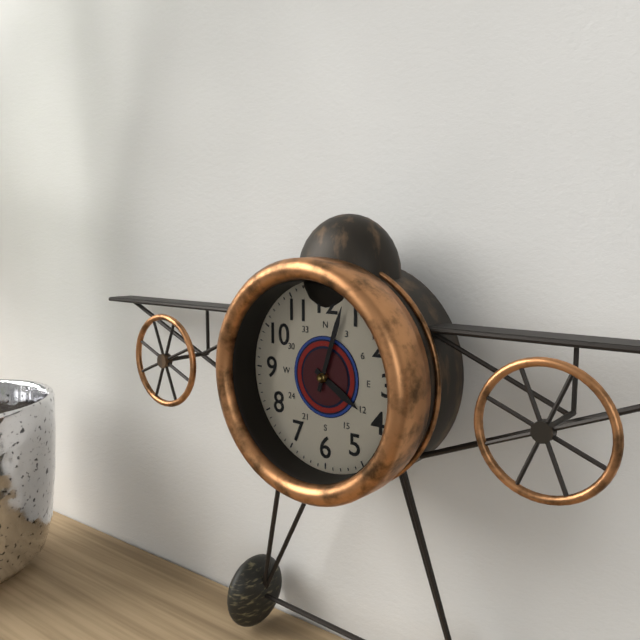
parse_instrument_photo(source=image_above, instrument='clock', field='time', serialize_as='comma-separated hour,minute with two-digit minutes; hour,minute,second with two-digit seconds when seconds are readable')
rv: 4,03
